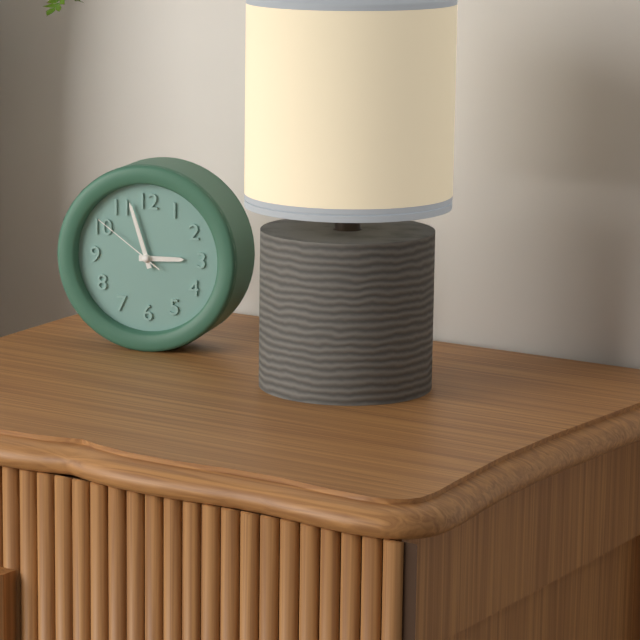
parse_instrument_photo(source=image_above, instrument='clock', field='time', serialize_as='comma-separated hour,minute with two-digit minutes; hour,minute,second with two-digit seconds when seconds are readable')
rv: 2,57,51
